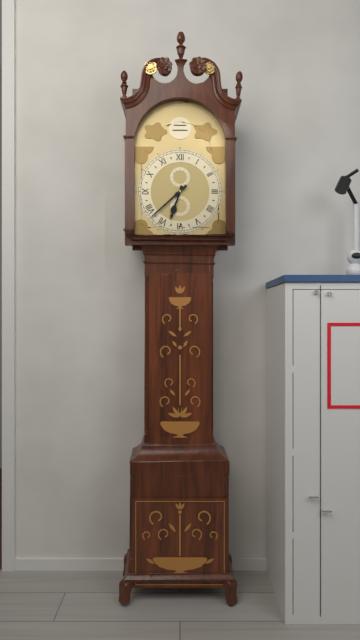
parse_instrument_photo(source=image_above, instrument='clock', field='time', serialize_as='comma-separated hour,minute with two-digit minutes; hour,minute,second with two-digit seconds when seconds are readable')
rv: 6,38
